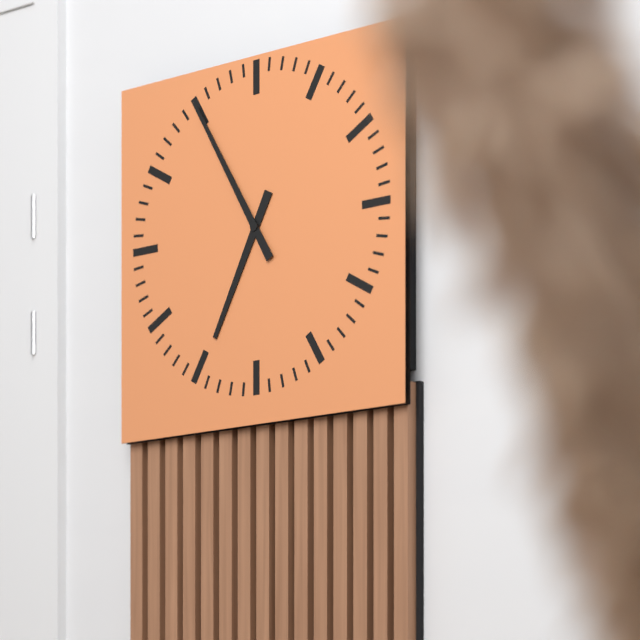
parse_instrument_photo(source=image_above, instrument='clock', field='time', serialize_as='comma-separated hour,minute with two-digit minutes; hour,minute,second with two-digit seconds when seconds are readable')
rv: 6,55
